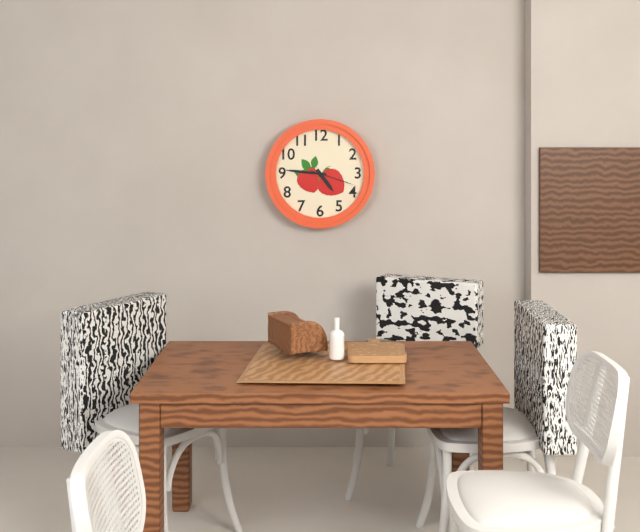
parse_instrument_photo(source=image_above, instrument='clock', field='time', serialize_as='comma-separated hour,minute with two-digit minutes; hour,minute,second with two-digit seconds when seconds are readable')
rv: 4,46
